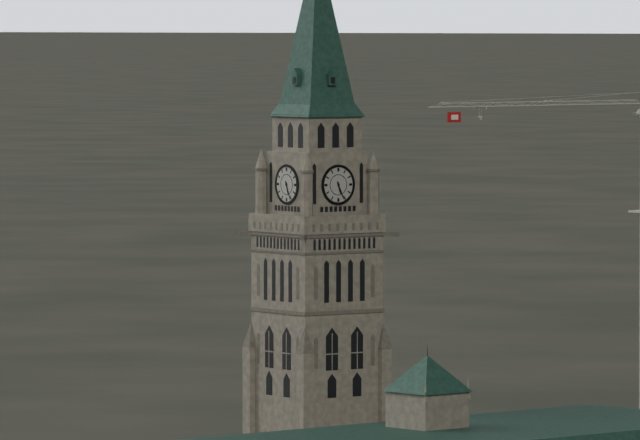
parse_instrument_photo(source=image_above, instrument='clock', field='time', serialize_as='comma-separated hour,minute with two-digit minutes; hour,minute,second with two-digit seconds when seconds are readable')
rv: 5,26
